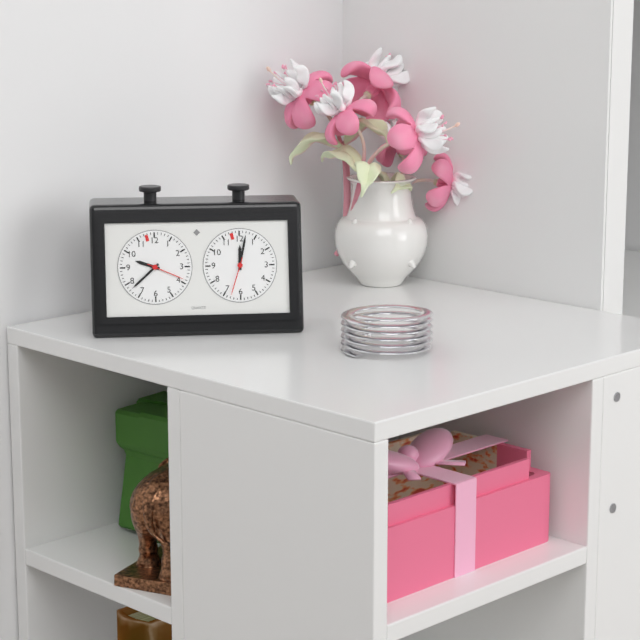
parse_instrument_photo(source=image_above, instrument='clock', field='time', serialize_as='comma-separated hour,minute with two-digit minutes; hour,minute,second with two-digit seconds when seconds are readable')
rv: 9,38
